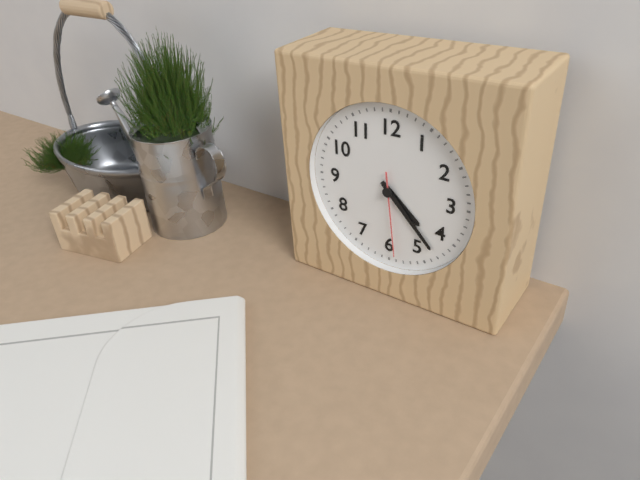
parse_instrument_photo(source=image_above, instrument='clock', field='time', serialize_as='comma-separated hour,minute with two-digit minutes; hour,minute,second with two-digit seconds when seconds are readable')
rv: 4,23,29
